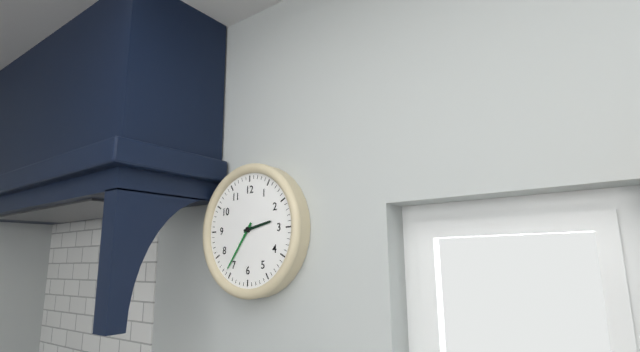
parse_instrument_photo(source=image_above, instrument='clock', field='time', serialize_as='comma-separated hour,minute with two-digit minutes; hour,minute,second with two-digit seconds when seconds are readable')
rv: 2,36
